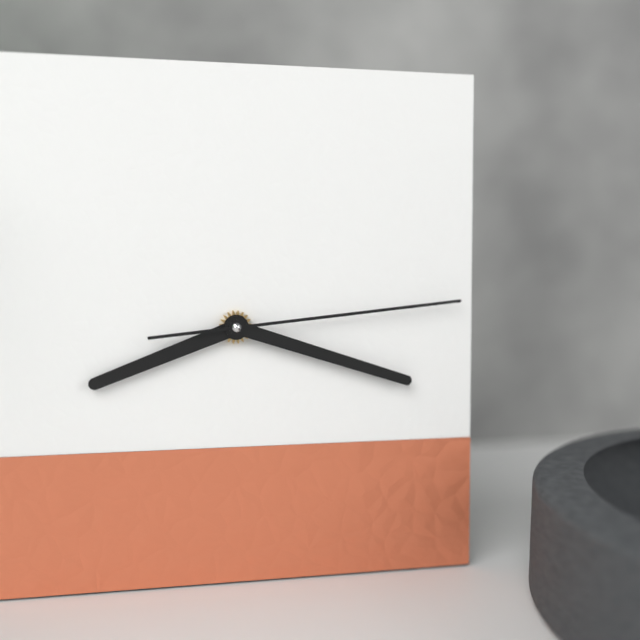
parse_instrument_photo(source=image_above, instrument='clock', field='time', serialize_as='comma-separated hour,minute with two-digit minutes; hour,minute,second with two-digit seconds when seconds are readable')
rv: 8,18,14
